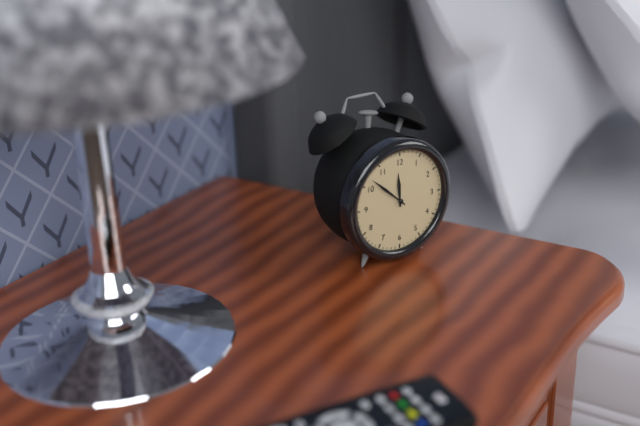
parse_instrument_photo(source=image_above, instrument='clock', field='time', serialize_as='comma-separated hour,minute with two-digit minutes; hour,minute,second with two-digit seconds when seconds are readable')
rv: 11,52
